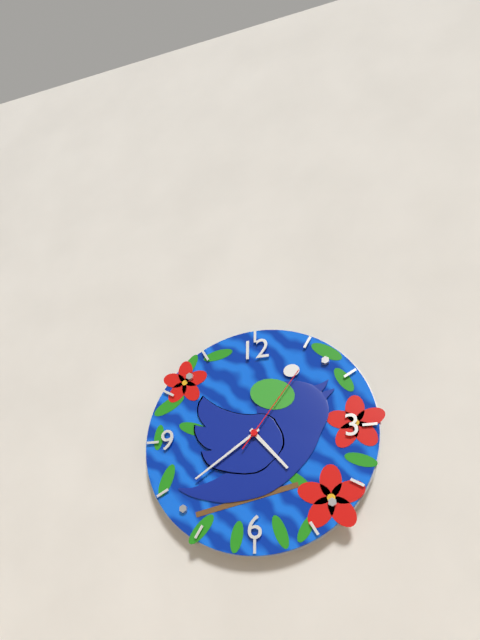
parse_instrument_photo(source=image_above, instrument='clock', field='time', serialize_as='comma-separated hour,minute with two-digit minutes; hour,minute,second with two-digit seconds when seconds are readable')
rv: 4,39,06
